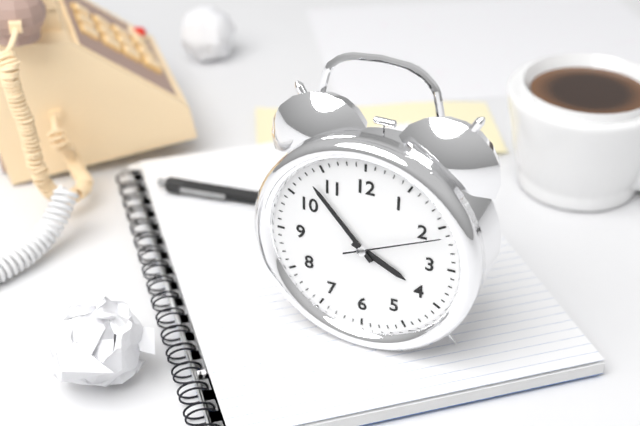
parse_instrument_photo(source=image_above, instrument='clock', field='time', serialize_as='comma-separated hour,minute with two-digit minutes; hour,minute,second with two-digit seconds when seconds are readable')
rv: 3,53,11
